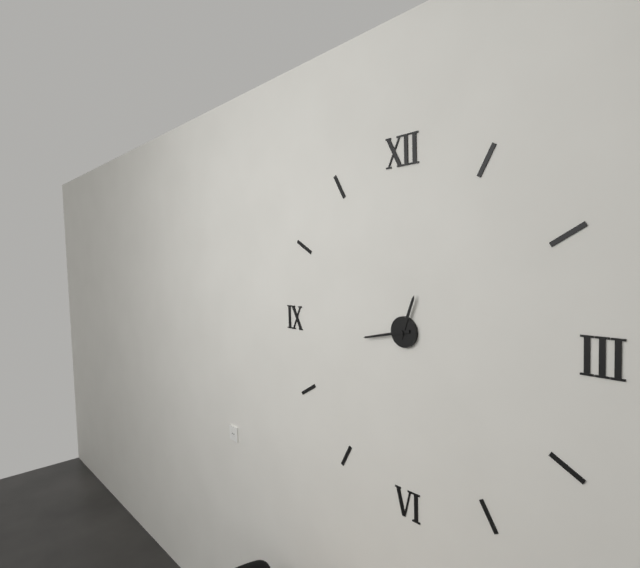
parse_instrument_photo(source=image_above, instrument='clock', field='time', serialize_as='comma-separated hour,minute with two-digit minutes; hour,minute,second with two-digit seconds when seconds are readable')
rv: 12,43
